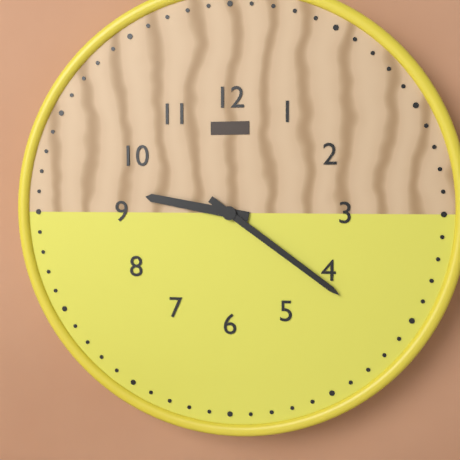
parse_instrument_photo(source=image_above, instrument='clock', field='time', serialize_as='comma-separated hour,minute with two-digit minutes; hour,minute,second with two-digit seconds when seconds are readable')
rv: 9,21
